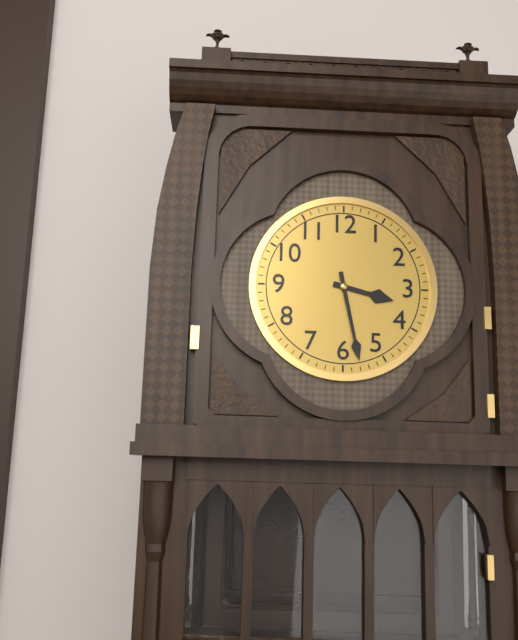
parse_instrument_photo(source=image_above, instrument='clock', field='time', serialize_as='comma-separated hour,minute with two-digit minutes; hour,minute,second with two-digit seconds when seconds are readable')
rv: 3,28
